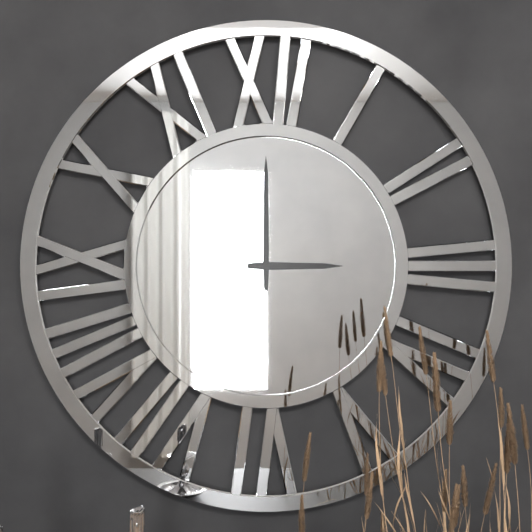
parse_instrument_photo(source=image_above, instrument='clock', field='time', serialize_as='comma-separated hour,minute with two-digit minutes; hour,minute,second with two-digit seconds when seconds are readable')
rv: 3,00
